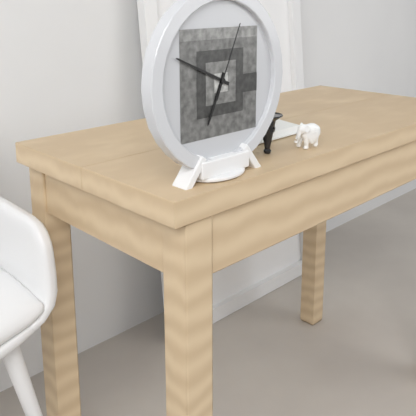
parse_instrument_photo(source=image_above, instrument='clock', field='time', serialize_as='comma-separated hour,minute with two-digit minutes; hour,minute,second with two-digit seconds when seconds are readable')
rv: 6,49,04
